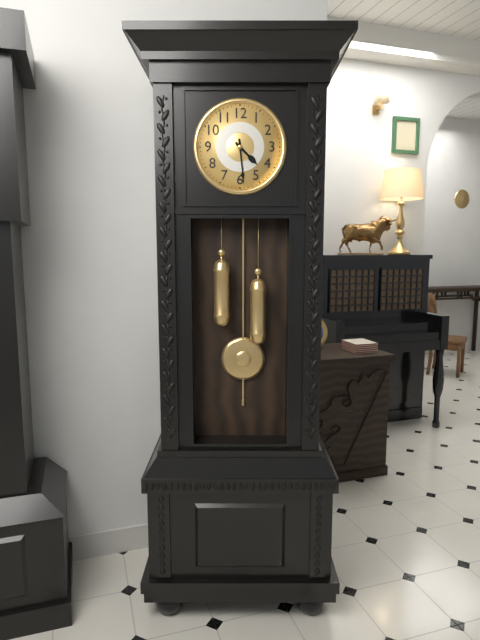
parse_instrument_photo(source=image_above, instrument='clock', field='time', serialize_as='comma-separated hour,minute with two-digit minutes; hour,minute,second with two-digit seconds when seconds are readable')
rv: 4,29
